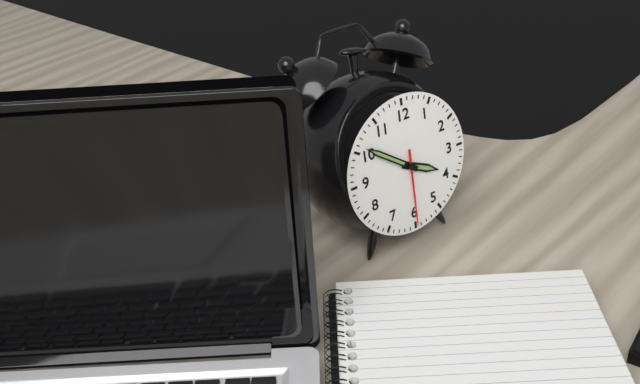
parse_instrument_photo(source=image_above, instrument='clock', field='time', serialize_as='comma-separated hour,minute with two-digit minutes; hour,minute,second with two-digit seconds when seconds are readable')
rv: 3,51,30
